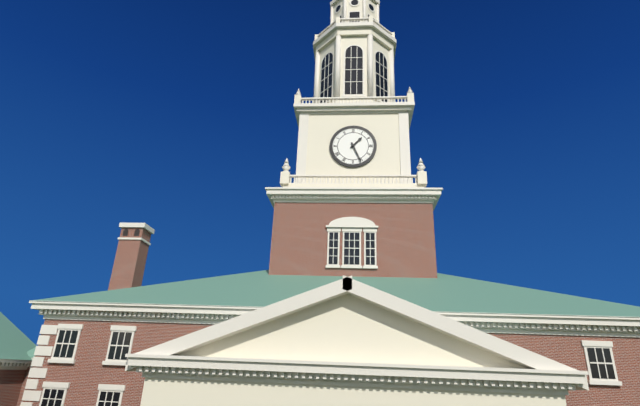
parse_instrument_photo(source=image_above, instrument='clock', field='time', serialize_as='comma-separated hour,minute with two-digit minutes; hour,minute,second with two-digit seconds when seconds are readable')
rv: 1,26
